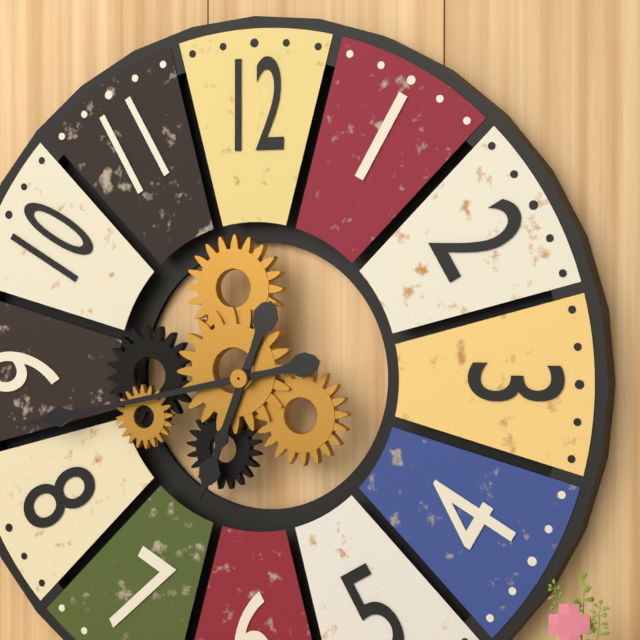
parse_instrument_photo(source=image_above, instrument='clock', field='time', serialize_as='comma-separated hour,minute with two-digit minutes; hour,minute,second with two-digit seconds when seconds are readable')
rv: 6,43
